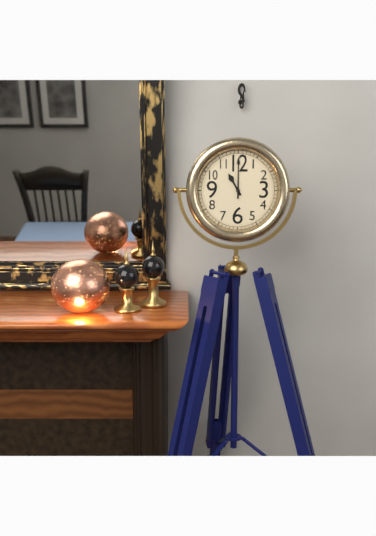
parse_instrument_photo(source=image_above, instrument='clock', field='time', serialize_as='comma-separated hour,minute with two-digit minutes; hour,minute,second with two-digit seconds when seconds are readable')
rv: 11,00
